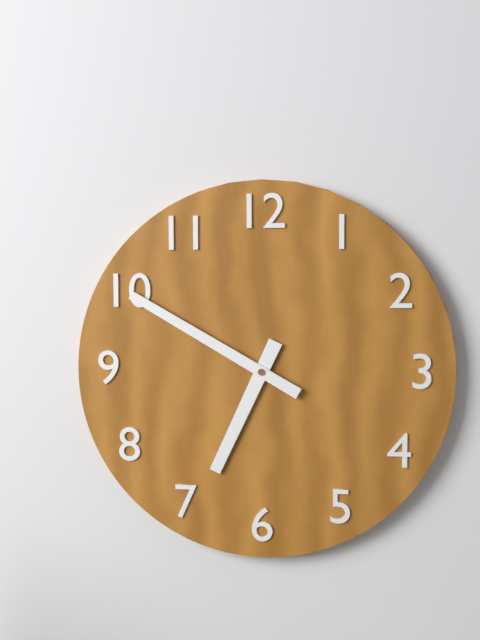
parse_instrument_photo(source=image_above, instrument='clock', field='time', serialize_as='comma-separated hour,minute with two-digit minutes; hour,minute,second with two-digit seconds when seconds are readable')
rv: 6,50
